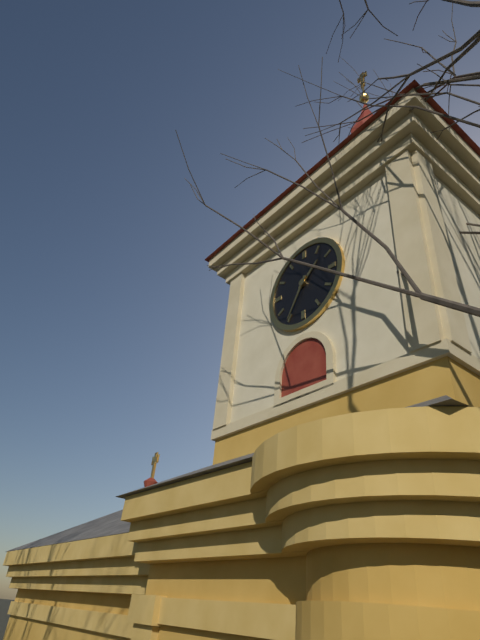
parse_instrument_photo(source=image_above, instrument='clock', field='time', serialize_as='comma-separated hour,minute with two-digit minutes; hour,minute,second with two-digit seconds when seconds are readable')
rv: 1,35
